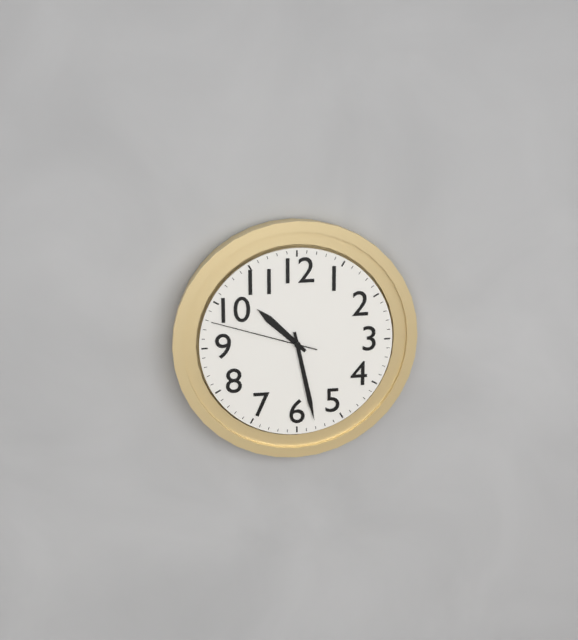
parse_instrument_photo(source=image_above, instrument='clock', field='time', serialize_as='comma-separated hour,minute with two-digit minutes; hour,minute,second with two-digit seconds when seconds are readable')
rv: 10,28,48
